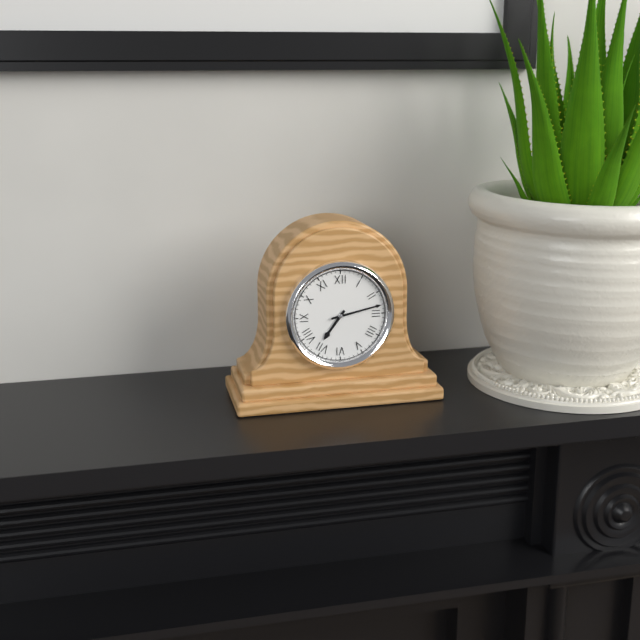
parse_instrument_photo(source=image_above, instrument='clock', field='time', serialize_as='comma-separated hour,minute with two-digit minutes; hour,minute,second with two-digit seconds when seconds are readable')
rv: 7,13
